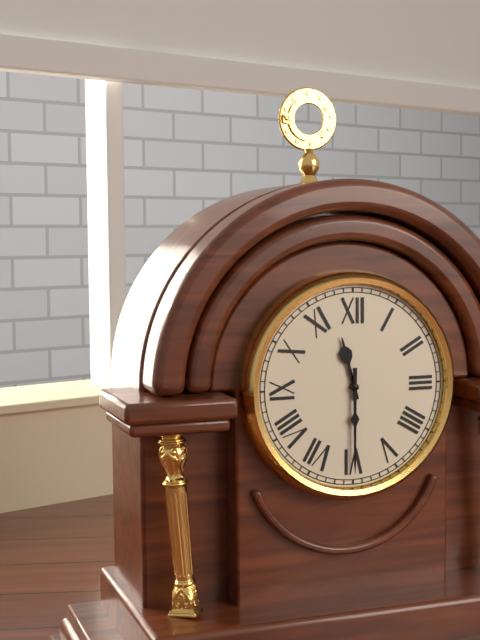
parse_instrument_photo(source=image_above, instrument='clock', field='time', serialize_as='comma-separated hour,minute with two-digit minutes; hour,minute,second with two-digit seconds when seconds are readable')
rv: 11,30
